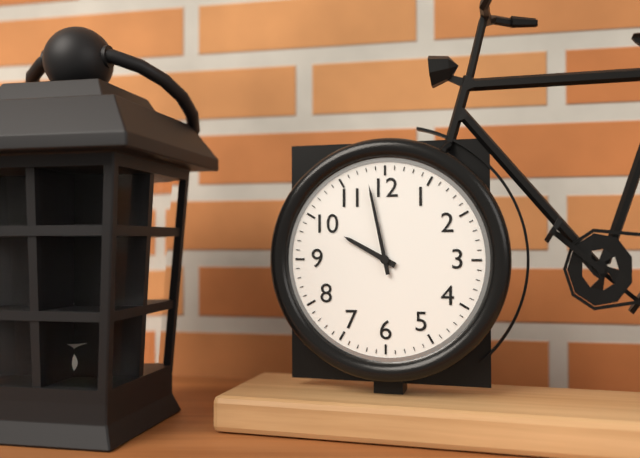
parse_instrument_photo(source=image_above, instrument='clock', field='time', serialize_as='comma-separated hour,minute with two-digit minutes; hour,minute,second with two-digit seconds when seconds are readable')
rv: 9,58
